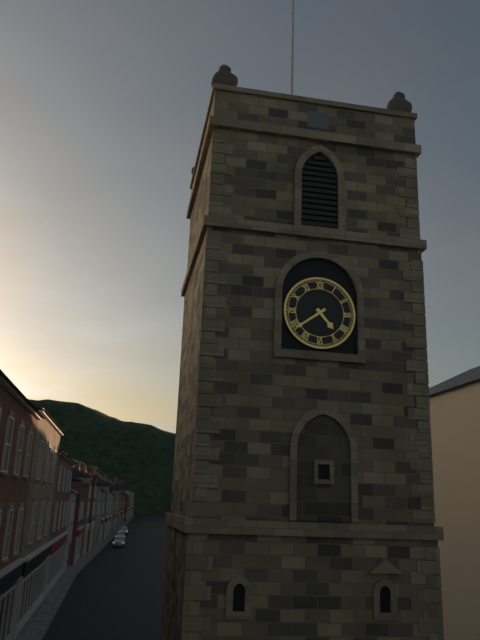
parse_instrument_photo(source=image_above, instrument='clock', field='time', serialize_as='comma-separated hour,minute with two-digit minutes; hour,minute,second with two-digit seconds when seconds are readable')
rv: 4,39
